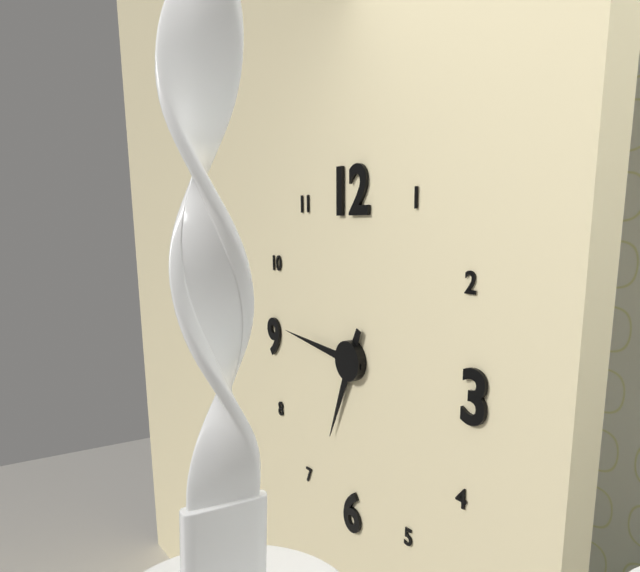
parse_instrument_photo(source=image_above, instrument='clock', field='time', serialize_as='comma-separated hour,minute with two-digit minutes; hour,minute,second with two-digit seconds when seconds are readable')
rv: 6,46
